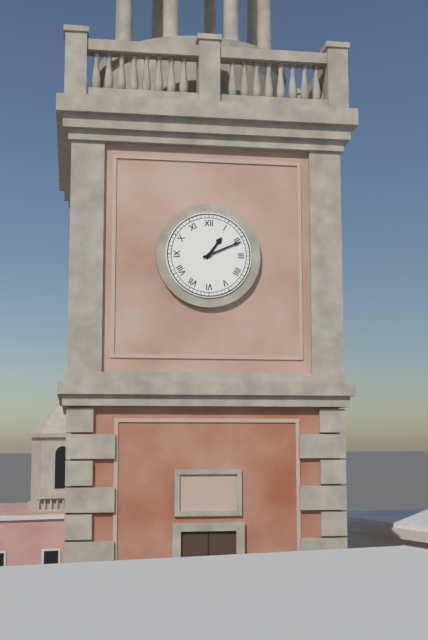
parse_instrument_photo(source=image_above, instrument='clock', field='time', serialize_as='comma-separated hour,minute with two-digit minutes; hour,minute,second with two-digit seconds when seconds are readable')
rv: 1,11
